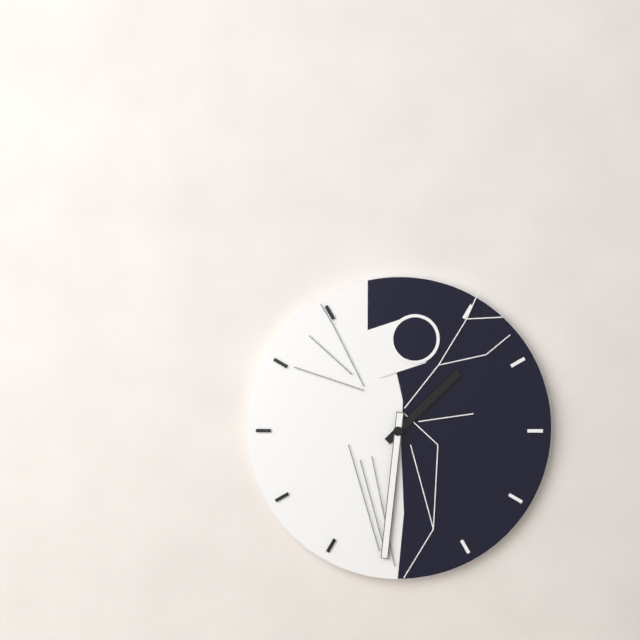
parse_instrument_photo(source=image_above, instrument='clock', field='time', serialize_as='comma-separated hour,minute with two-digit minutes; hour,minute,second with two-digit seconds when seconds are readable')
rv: 1,31
